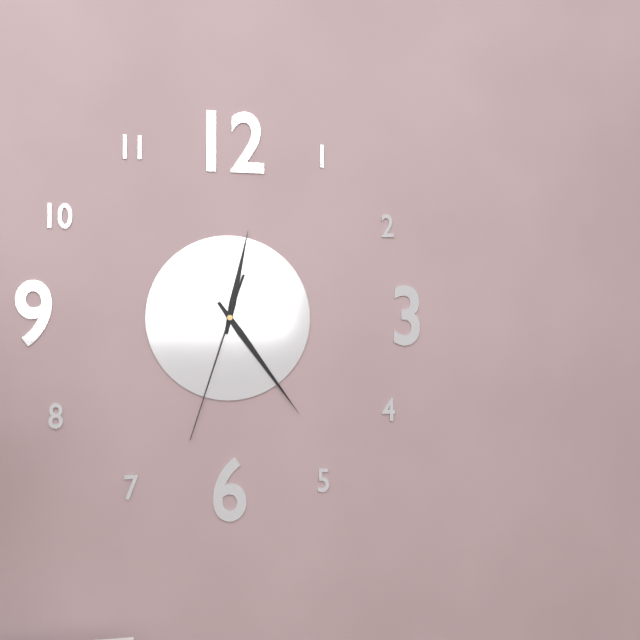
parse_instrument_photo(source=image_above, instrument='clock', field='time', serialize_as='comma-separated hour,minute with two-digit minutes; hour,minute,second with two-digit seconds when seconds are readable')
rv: 12,24,33
